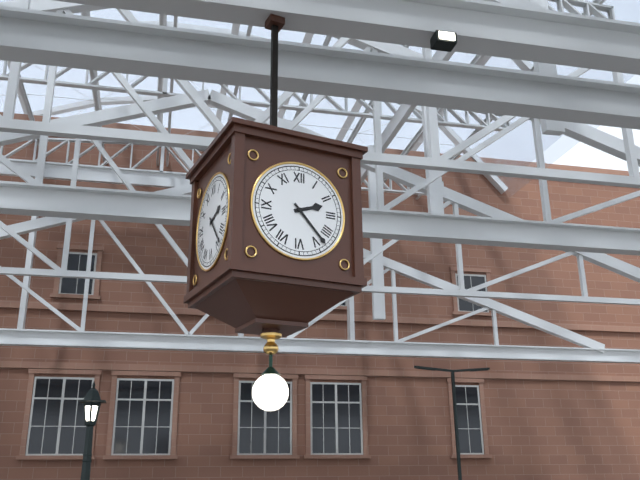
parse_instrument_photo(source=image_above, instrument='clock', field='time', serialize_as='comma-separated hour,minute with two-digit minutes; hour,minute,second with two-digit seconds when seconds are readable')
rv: 2,23
